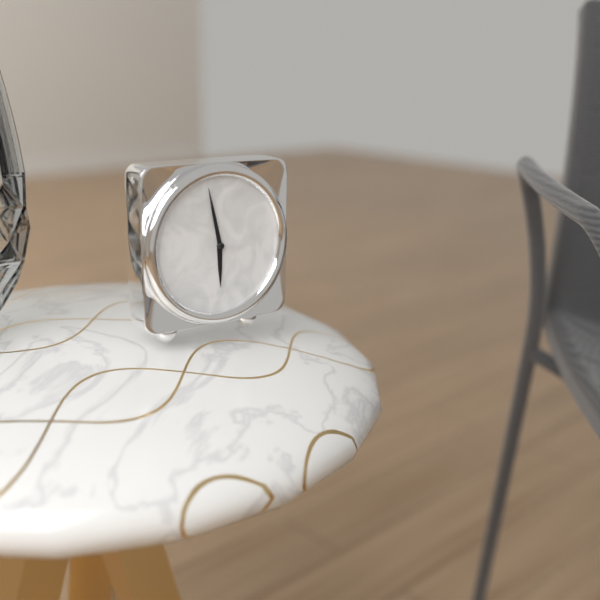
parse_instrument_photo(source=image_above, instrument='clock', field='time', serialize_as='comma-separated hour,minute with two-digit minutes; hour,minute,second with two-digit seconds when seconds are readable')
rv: 5,58
